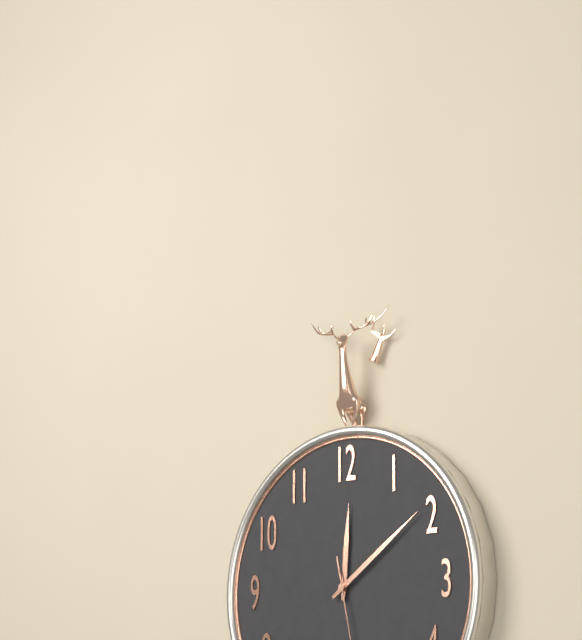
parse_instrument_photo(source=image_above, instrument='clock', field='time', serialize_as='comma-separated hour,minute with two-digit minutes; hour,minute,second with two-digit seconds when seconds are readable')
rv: 12,09
